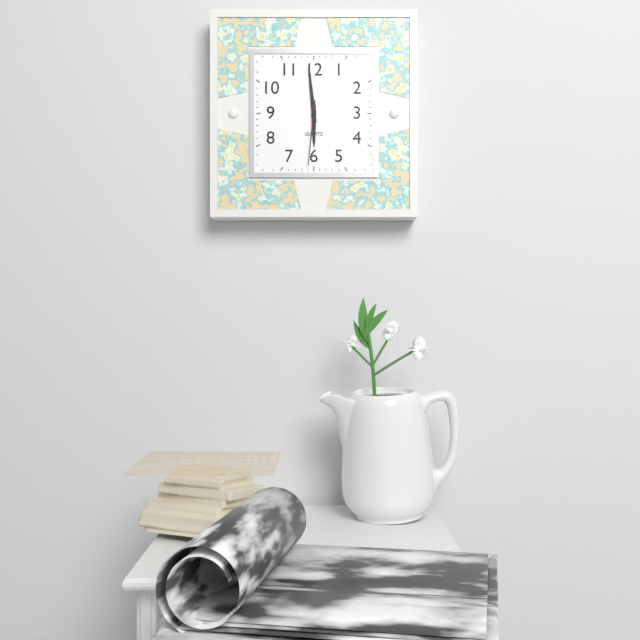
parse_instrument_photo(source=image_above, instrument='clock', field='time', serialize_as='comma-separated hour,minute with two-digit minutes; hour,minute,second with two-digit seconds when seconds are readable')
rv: 5,59,31
